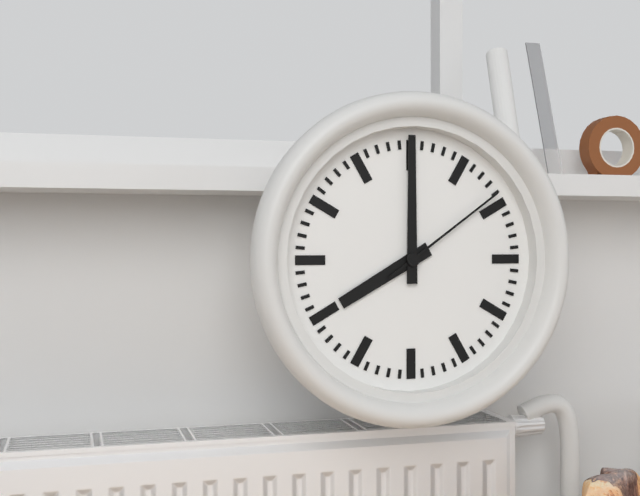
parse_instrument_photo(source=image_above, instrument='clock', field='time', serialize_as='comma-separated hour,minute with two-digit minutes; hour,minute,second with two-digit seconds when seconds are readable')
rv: 8,00,09
